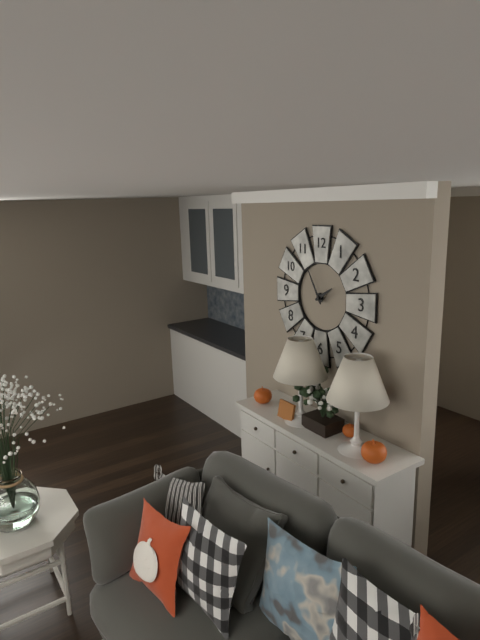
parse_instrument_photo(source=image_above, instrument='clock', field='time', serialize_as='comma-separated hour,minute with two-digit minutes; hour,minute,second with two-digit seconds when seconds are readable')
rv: 1,55
